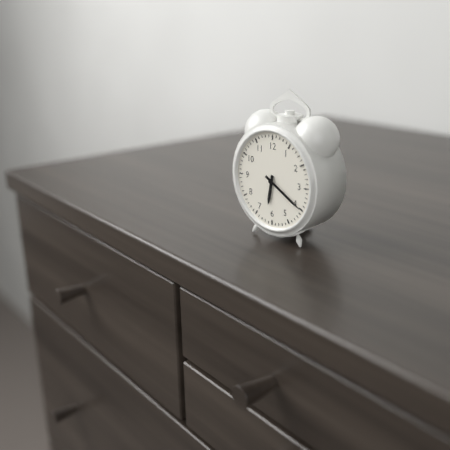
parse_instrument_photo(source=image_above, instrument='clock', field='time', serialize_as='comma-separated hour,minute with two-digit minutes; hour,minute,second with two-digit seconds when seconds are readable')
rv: 6,20
